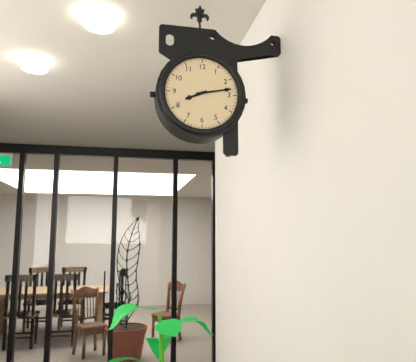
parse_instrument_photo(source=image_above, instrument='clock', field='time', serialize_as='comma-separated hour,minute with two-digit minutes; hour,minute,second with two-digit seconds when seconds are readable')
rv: 8,13
